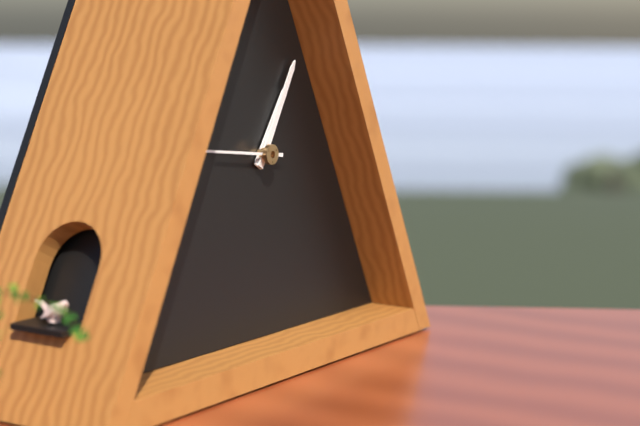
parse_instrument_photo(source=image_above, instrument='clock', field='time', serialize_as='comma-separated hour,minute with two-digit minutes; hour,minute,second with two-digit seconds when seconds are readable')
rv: 1,05,46
